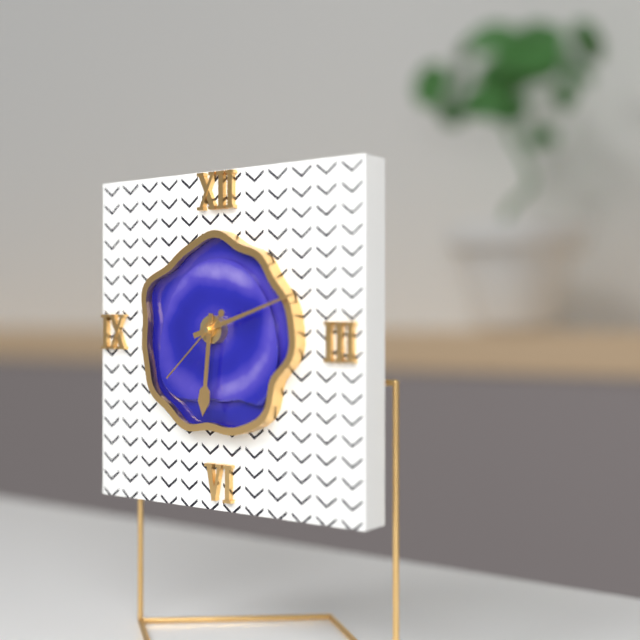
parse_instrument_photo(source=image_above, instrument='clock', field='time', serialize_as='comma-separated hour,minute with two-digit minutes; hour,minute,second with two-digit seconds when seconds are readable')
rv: 6,12,38
